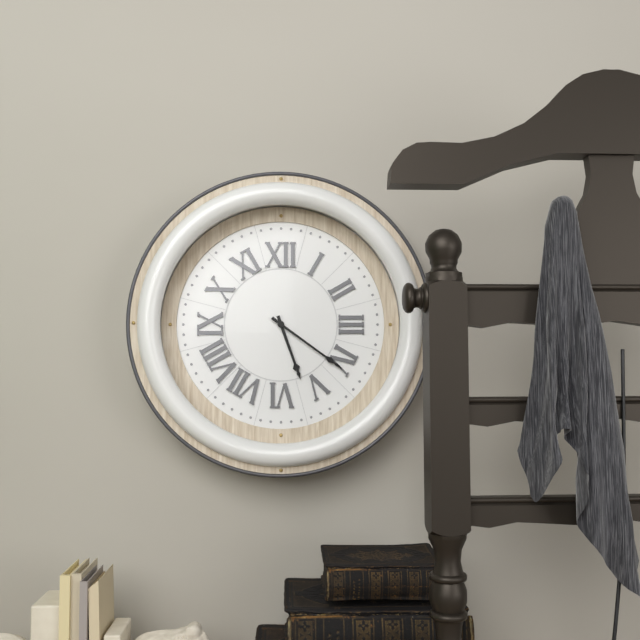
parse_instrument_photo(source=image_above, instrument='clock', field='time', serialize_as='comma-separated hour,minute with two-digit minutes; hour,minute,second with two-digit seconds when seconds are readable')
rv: 5,21
